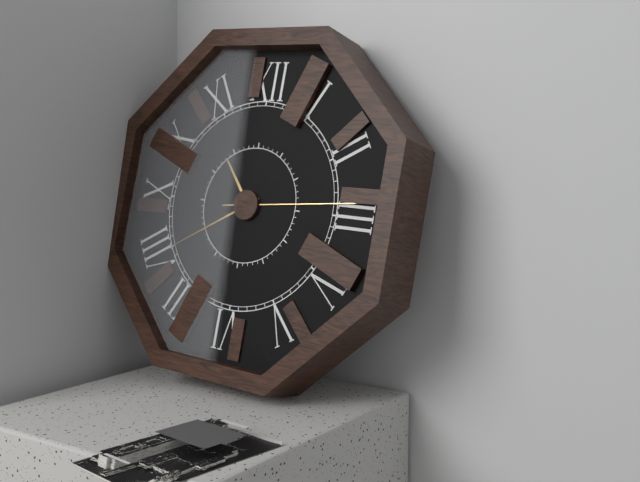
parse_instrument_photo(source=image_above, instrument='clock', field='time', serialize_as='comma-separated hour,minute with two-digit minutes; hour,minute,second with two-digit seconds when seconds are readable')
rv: 10,40,14
